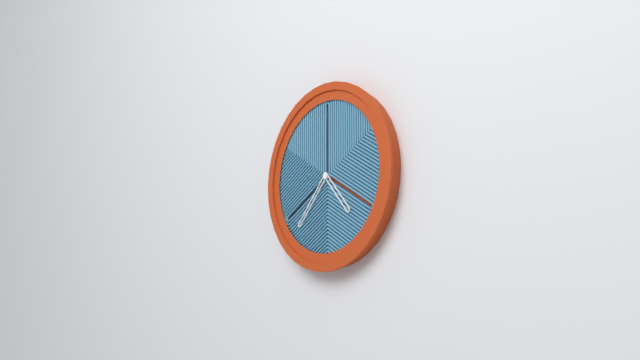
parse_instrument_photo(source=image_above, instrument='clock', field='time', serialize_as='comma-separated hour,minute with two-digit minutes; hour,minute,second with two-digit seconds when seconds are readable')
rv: 4,37
